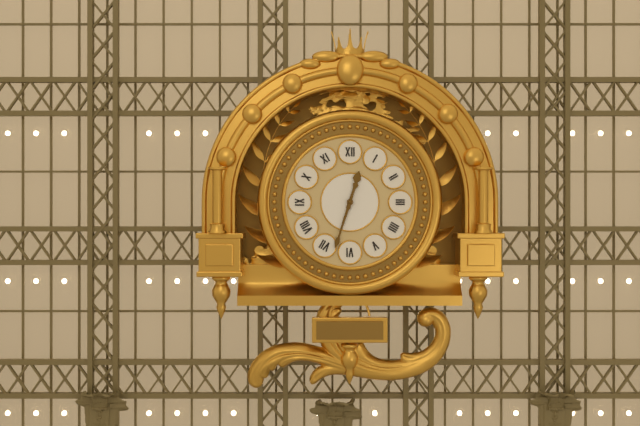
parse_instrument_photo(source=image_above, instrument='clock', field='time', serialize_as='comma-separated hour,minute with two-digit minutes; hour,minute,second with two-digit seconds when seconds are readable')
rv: 12,33
